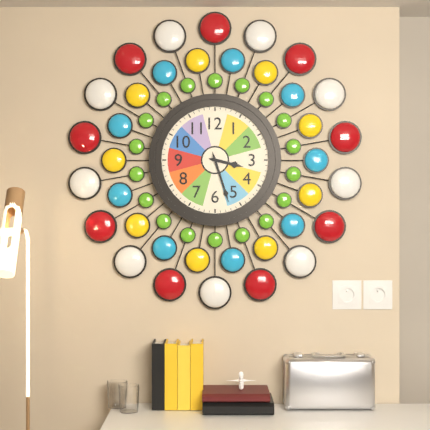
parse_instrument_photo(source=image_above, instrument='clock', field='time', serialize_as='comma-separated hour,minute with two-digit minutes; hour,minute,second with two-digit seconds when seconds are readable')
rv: 3,27
